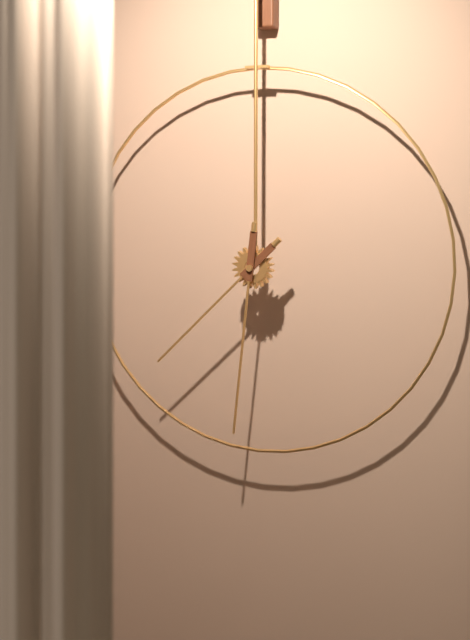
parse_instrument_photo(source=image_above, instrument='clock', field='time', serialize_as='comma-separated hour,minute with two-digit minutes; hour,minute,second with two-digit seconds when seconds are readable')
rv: 7,31
